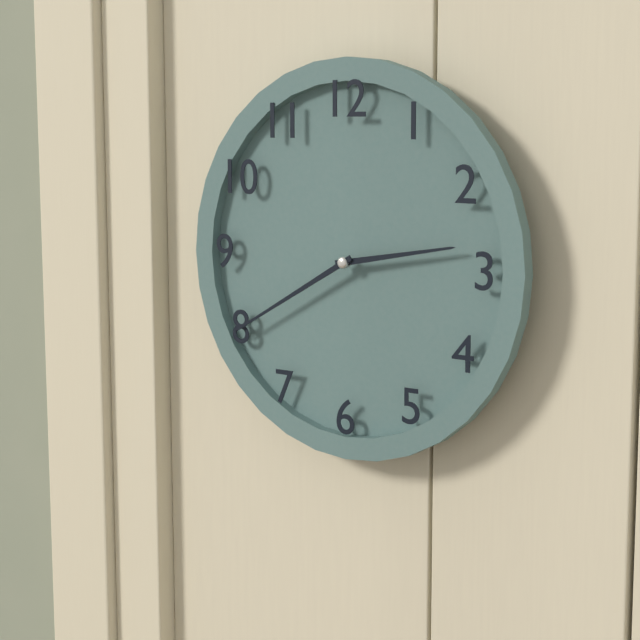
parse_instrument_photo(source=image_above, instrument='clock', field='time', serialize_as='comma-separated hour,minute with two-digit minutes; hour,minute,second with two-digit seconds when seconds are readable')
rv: 2,40
